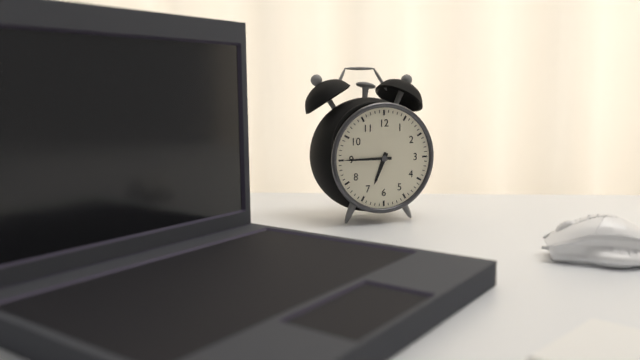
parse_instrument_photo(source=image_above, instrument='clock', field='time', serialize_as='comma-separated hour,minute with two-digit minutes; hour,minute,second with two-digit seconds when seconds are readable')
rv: 6,45
